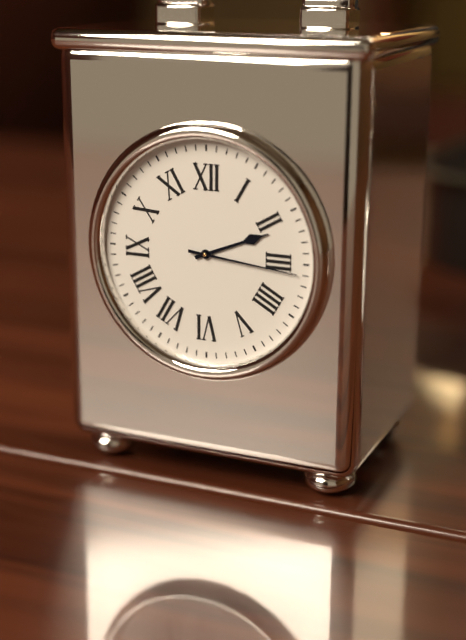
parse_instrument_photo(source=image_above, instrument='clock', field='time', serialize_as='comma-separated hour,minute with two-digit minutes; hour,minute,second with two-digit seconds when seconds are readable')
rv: 2,16
